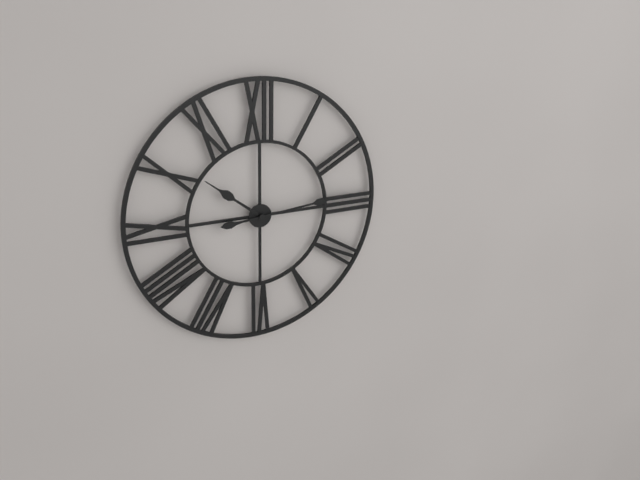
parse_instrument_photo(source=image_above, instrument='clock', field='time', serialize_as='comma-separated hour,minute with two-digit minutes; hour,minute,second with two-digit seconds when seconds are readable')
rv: 10,14
